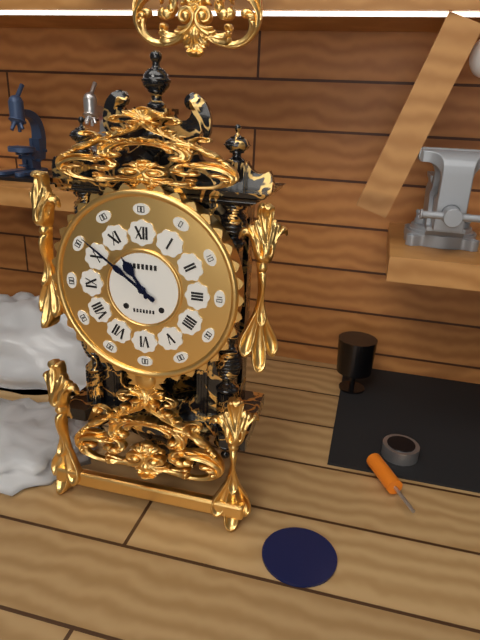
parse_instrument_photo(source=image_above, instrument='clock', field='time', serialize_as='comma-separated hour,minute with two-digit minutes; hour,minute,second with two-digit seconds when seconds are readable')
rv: 10,51
